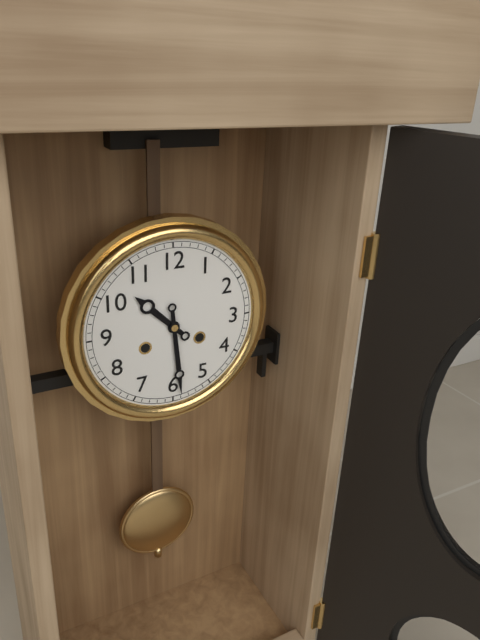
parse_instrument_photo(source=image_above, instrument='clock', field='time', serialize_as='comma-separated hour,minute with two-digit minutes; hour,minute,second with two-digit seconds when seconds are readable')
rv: 10,29
